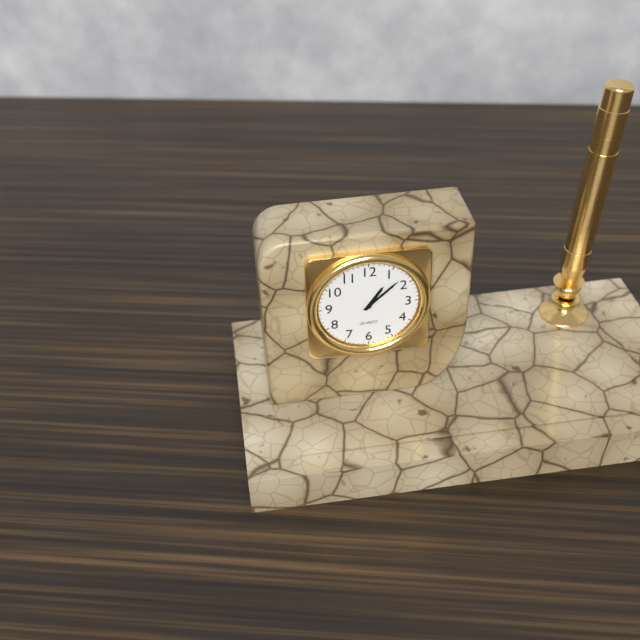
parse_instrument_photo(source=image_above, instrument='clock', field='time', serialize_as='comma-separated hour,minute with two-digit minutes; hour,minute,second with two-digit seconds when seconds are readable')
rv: 1,08
